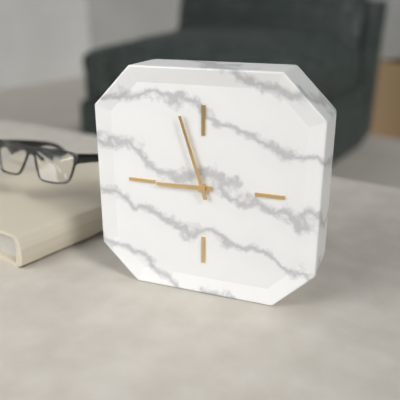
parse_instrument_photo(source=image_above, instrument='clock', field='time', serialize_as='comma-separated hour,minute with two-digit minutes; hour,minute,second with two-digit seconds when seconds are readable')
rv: 8,57
